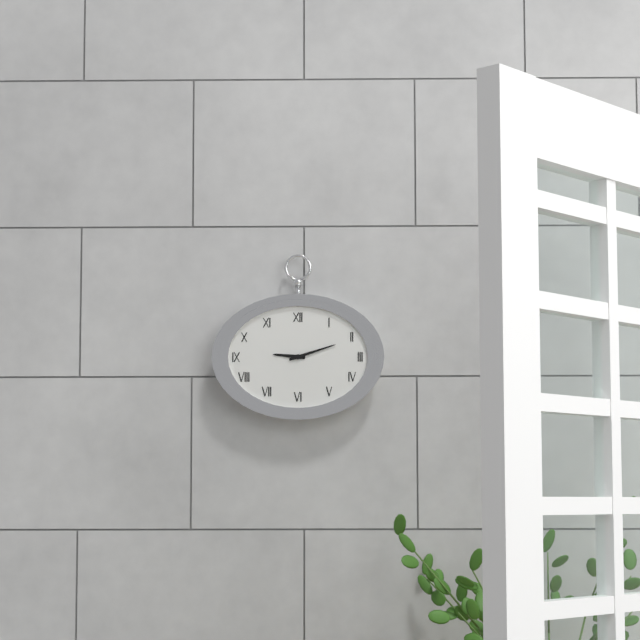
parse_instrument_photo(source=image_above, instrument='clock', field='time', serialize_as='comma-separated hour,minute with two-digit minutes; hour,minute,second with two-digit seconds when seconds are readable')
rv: 9,12
